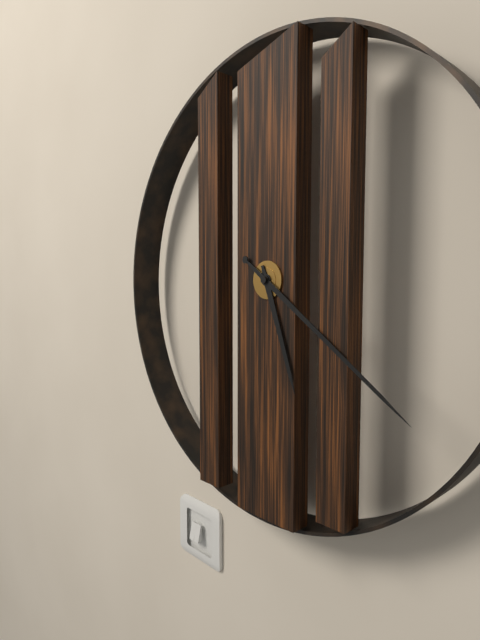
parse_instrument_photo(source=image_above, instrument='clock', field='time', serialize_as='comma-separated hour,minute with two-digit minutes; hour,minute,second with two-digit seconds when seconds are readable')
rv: 5,21
